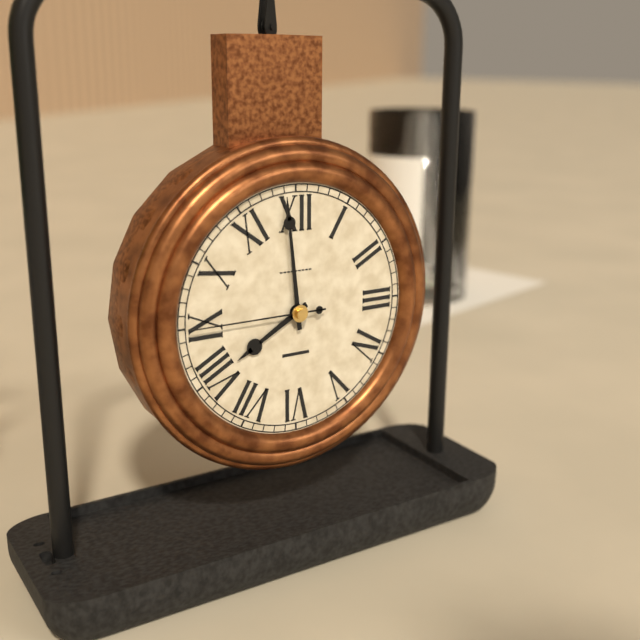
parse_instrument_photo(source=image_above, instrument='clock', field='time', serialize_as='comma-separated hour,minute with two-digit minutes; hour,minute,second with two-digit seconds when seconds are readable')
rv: 7,59,45
